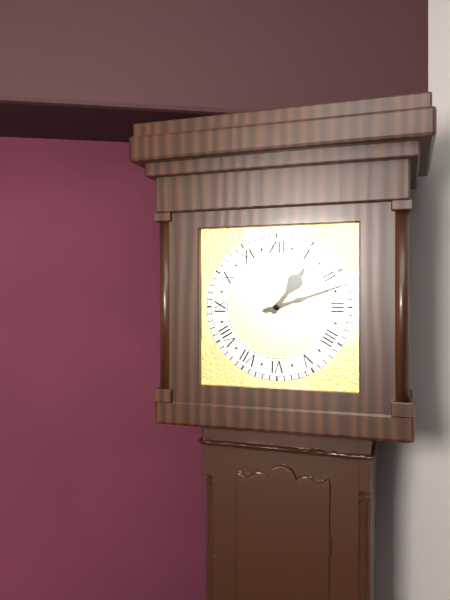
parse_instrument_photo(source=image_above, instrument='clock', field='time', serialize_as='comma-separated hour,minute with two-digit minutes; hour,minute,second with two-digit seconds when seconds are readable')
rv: 1,12
